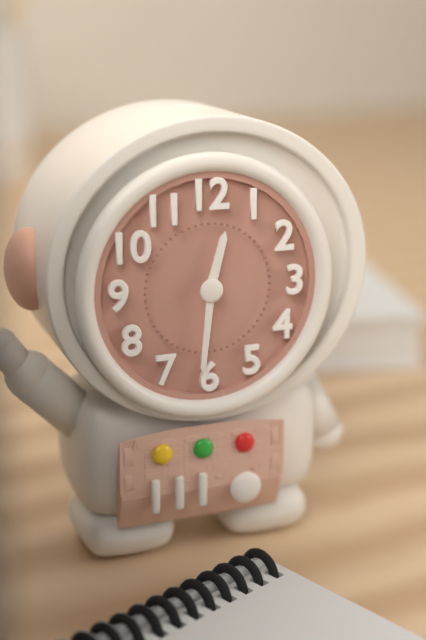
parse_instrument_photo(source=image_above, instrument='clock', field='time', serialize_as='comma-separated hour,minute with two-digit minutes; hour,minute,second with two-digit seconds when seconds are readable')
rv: 12,31
